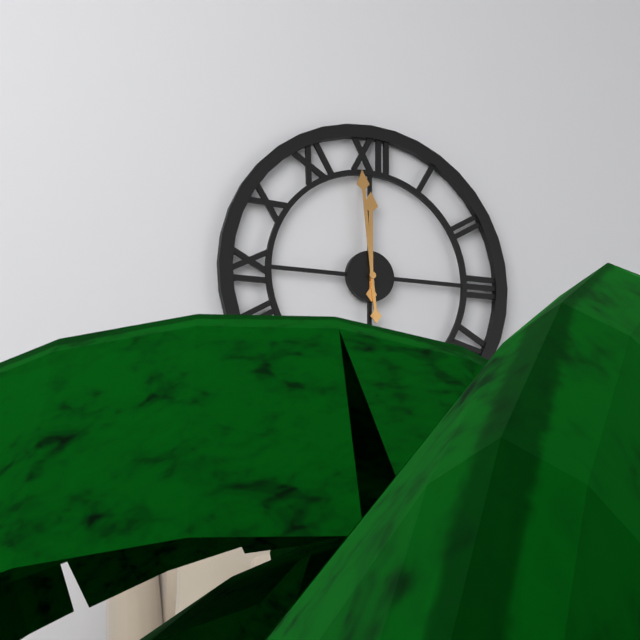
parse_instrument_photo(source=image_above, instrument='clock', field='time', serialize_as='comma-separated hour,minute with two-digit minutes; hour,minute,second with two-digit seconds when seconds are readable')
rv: 11,59
